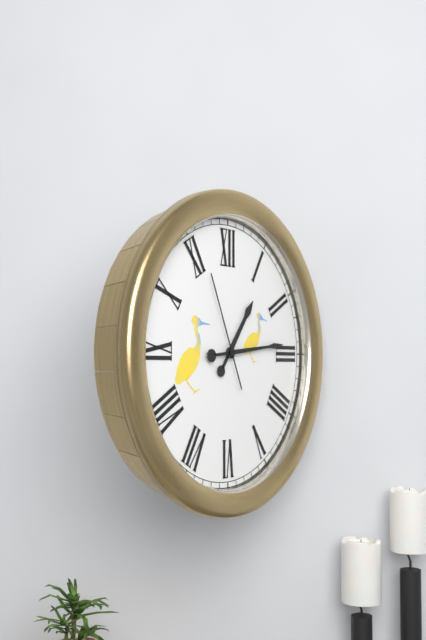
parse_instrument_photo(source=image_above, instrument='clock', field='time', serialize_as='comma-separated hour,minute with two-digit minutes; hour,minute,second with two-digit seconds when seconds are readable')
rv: 1,14,56
